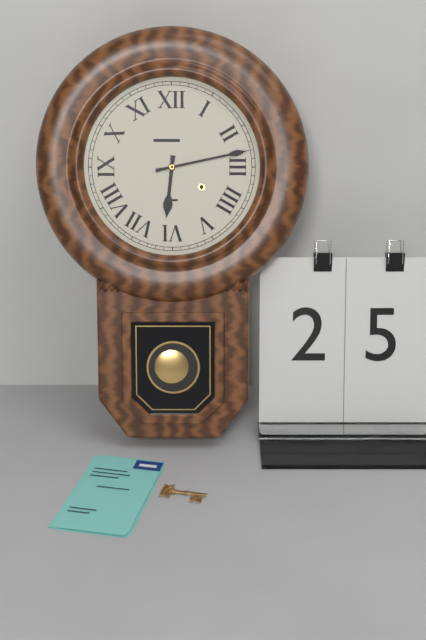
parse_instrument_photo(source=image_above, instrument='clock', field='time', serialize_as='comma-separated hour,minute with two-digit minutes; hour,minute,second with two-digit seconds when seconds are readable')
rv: 6,13
